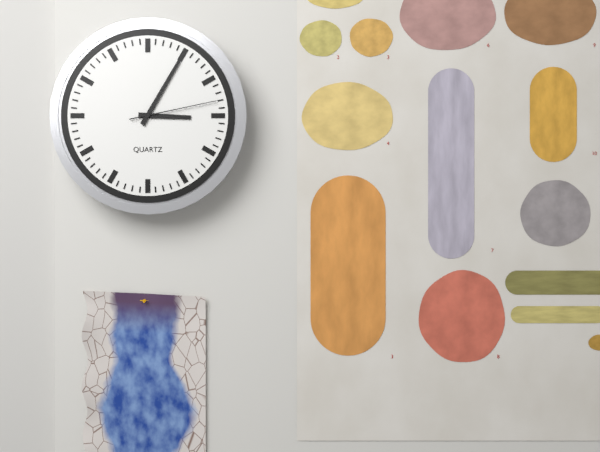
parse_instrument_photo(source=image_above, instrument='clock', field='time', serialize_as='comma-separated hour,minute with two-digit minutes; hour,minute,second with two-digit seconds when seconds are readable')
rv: 3,05,13
